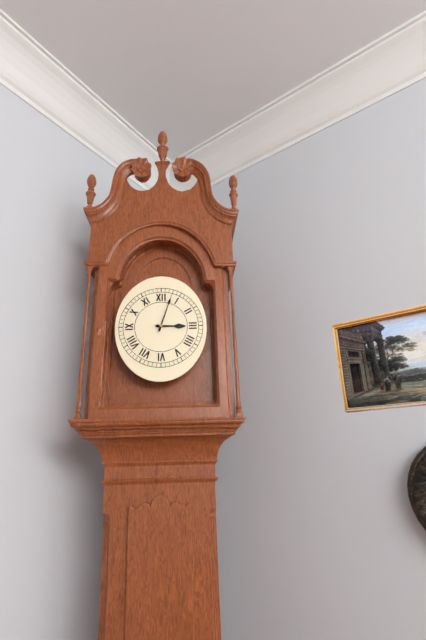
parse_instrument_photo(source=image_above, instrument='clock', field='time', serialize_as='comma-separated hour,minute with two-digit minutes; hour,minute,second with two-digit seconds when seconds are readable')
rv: 3,03
